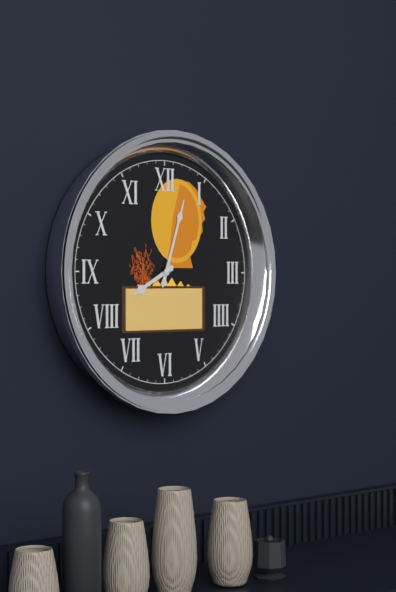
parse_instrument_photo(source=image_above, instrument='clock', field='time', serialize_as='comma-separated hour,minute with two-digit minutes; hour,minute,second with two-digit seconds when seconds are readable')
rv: 8,03
